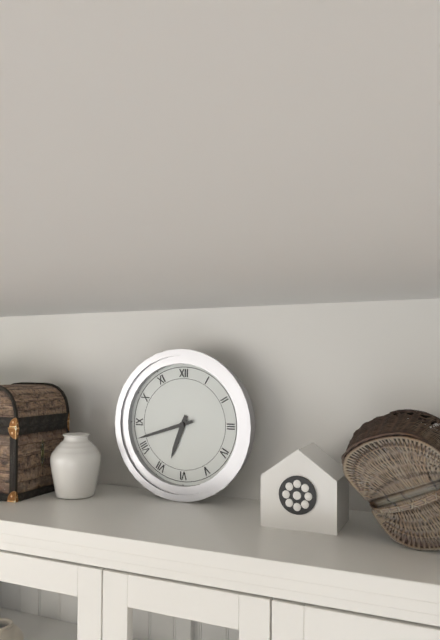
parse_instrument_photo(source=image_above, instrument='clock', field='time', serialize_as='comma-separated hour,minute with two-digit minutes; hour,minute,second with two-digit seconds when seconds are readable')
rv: 6,42
